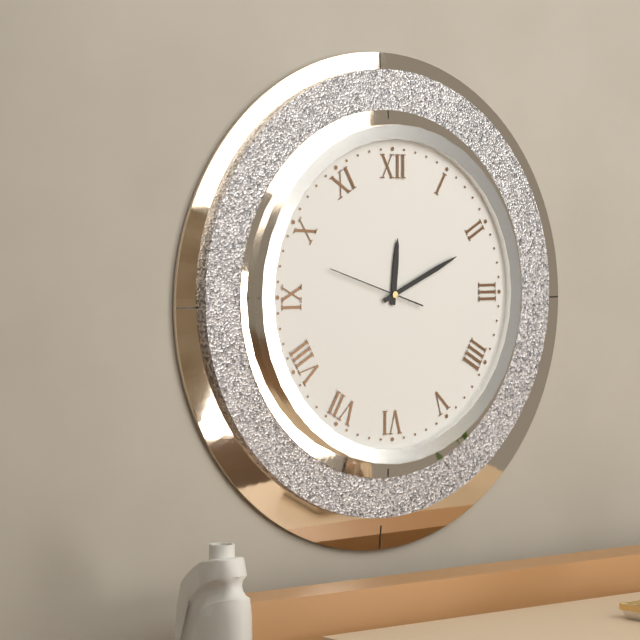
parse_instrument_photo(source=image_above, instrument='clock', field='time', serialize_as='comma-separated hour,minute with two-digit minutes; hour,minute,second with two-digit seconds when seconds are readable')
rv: 12,11,48
